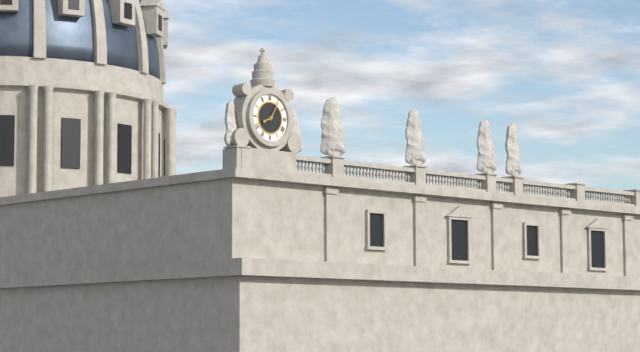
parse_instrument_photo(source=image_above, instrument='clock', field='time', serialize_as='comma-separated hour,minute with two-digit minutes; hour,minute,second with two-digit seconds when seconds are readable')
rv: 8,05
